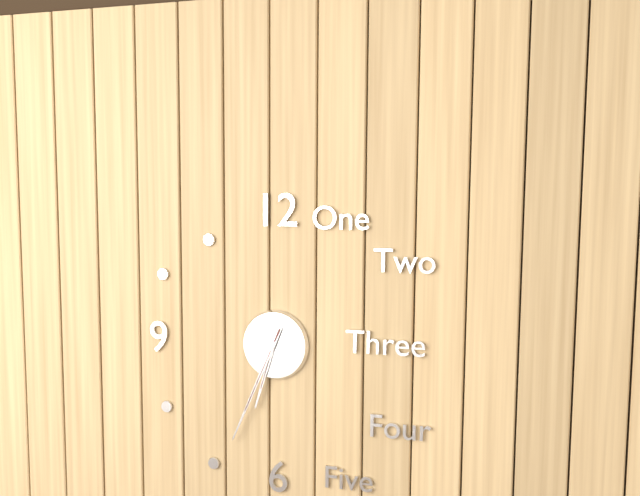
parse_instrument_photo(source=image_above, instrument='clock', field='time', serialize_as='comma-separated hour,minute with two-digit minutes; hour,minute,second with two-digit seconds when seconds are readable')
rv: 6,34
